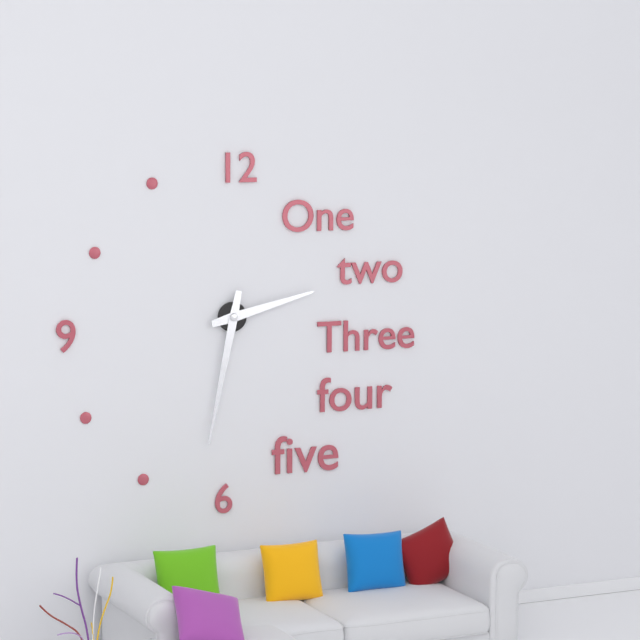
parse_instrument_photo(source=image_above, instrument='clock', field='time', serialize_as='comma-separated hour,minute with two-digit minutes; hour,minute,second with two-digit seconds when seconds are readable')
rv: 2,32
